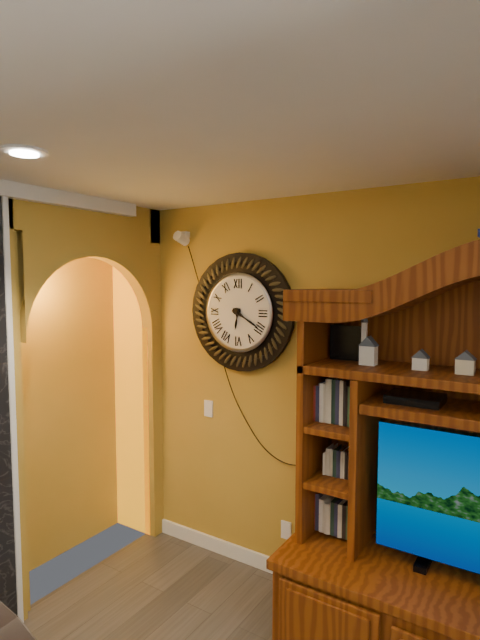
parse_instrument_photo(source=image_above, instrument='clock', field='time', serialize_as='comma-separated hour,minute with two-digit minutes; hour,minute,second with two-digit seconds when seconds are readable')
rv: 6,20
